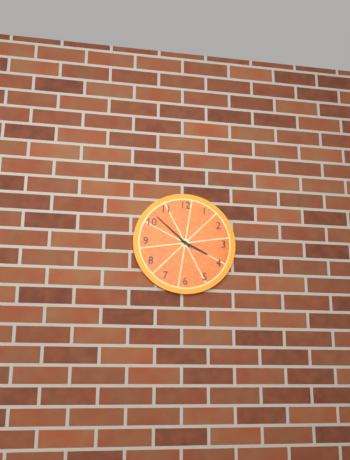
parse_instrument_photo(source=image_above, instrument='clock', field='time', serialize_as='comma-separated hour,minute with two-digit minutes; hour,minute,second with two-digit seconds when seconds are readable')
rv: 3,52
